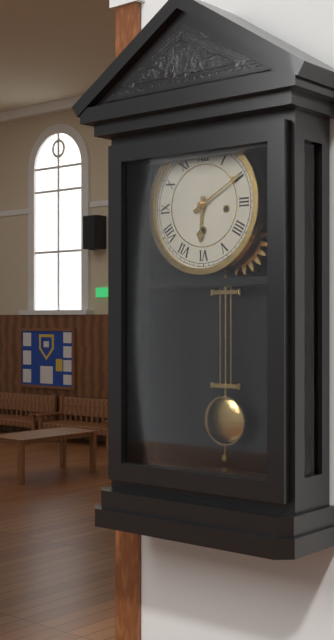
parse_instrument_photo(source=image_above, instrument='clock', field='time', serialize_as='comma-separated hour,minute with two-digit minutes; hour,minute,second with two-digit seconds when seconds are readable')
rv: 6,10
